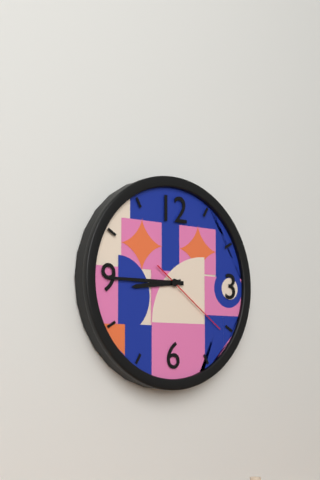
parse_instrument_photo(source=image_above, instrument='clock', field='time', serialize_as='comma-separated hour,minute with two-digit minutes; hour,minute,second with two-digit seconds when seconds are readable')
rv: 8,45,21
